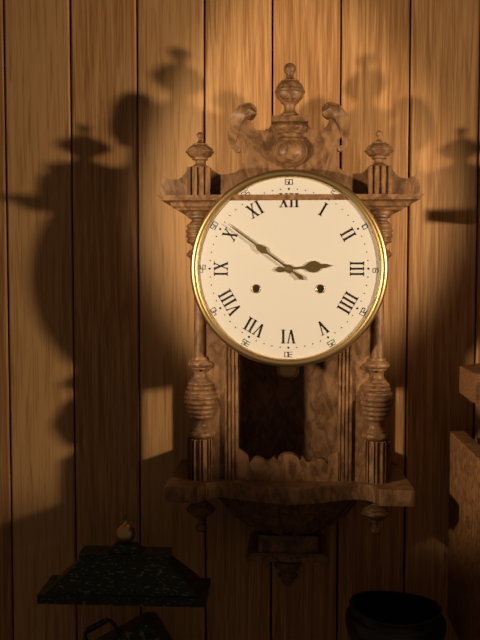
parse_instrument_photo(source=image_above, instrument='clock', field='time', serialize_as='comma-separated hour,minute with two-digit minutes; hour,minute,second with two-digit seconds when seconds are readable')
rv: 2,51
